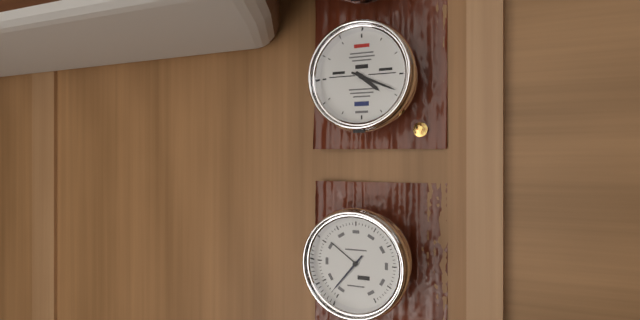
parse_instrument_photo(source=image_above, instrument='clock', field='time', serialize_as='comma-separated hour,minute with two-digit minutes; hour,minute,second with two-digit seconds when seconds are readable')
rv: 4,19
